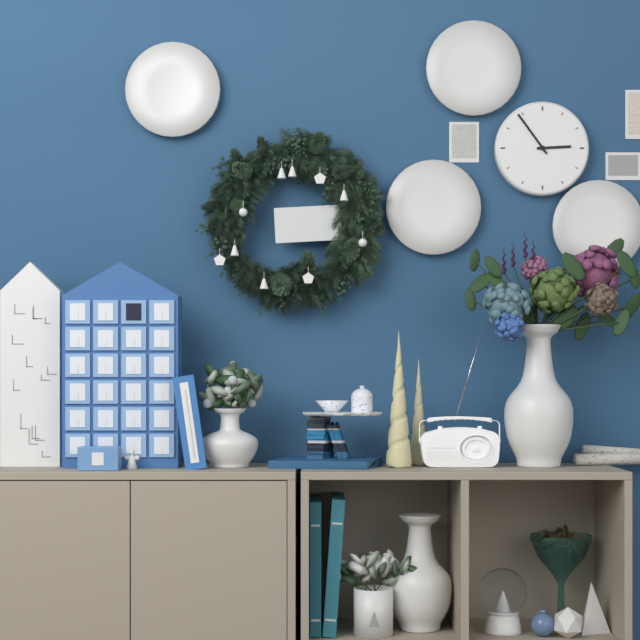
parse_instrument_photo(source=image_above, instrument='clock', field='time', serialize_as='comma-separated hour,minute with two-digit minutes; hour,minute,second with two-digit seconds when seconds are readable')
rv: 2,54
